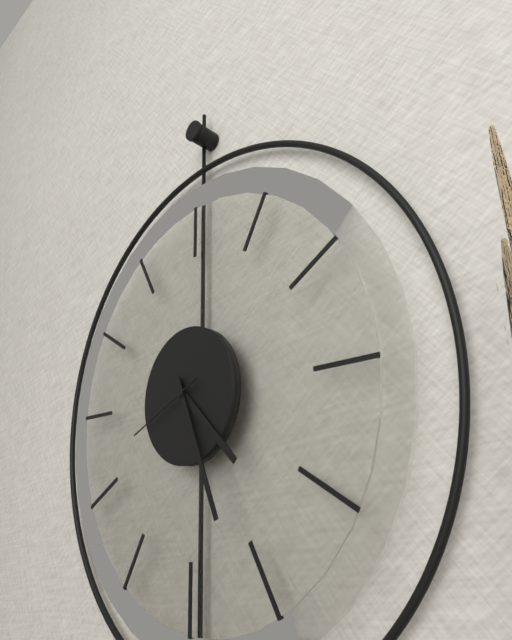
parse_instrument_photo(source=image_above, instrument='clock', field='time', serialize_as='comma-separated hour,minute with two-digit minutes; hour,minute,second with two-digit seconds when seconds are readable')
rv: 4,26,41
